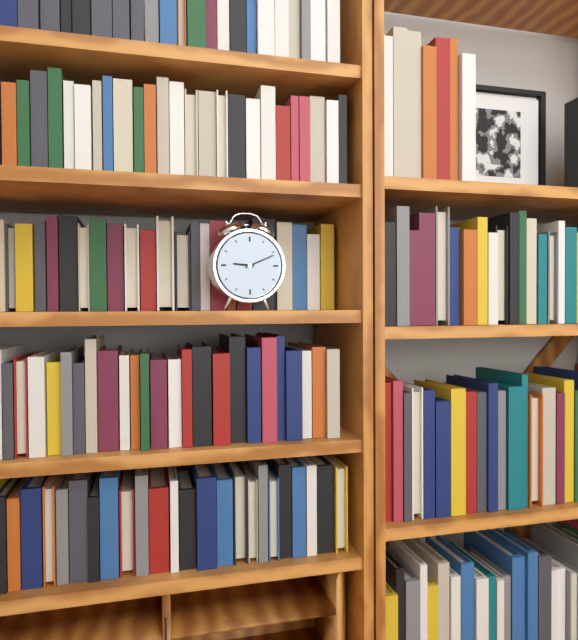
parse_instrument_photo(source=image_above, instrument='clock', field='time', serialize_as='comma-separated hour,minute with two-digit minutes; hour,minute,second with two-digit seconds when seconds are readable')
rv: 9,11
